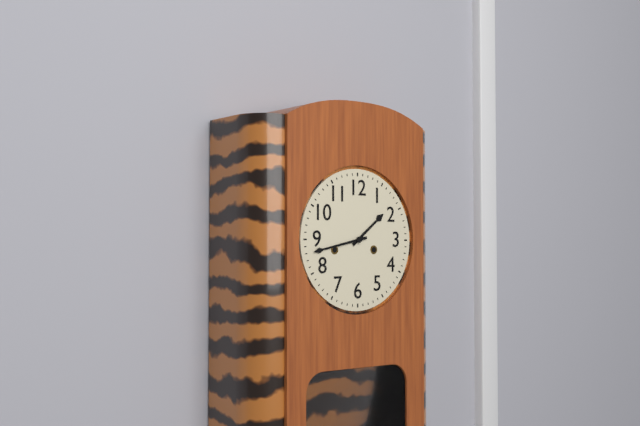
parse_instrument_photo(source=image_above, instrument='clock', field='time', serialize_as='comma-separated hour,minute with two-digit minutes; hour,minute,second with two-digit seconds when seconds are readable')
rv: 1,43
